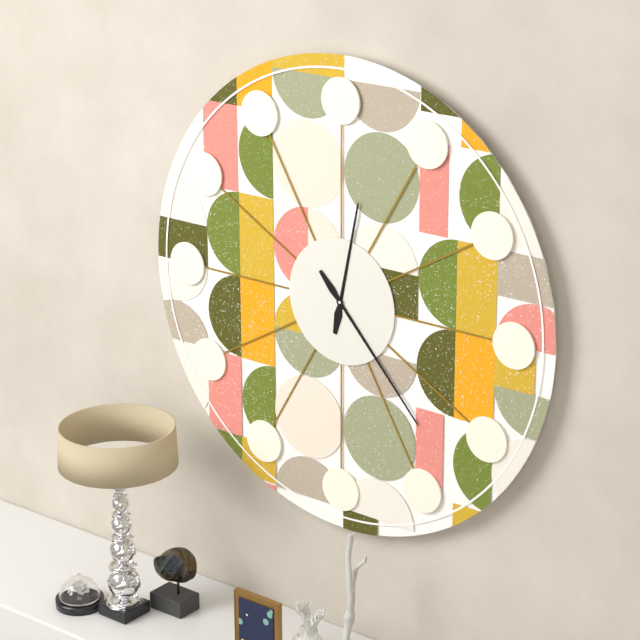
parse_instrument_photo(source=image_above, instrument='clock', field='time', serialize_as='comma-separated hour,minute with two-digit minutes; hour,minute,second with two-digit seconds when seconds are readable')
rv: 12,23
